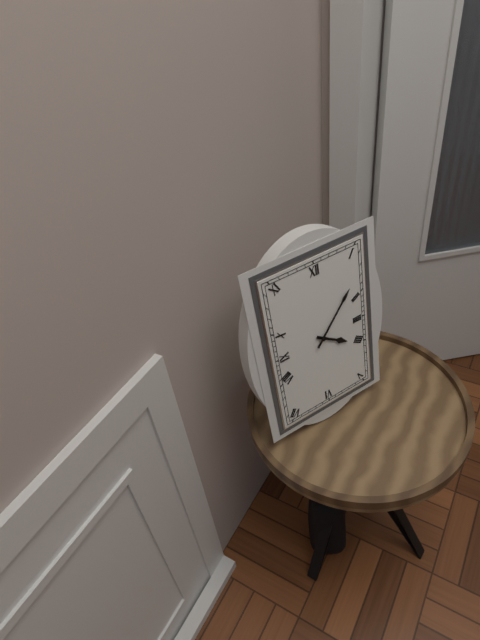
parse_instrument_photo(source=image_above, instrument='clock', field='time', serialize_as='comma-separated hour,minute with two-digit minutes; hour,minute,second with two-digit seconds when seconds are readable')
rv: 4,07
